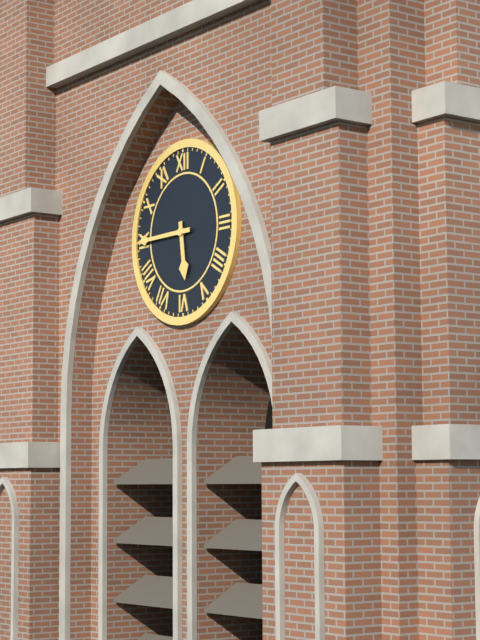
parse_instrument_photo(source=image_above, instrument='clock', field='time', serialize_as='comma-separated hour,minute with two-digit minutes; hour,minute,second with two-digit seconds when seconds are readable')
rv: 5,45
